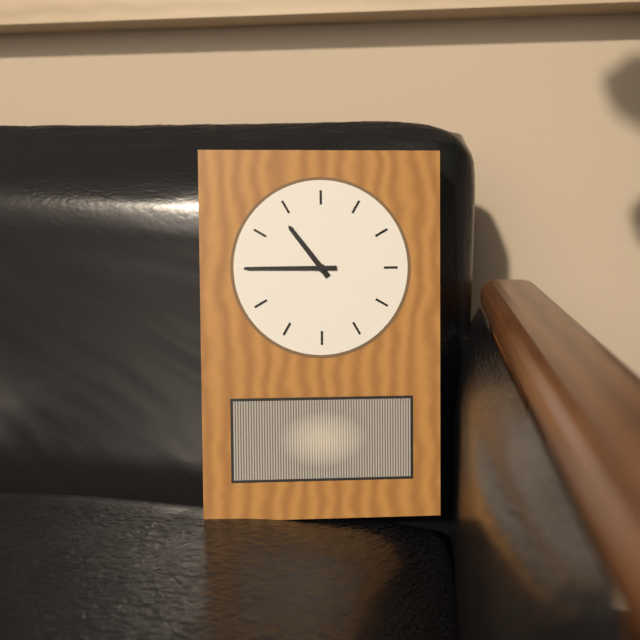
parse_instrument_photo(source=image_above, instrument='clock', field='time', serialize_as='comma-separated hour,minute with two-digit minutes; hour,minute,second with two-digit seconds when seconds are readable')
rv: 10,45
